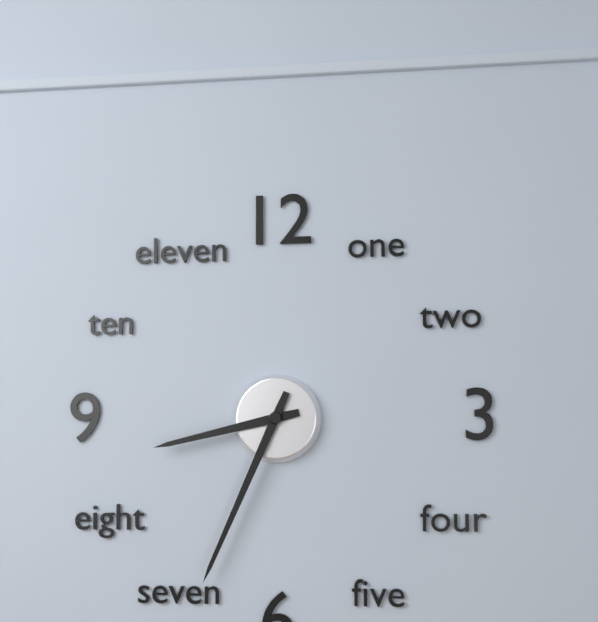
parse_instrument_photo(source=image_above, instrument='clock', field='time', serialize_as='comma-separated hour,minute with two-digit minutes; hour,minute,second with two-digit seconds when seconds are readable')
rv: 8,34
